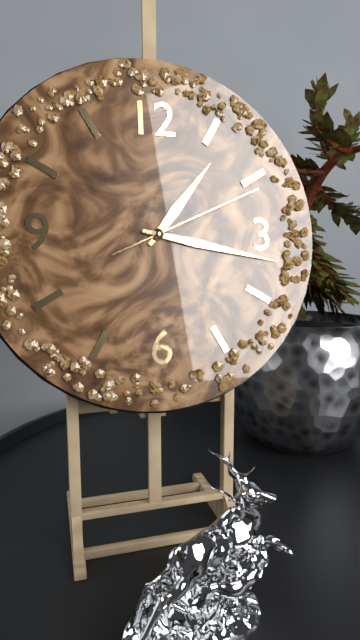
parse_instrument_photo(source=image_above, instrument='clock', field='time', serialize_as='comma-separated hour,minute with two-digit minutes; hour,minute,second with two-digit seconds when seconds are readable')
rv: 1,17,11
